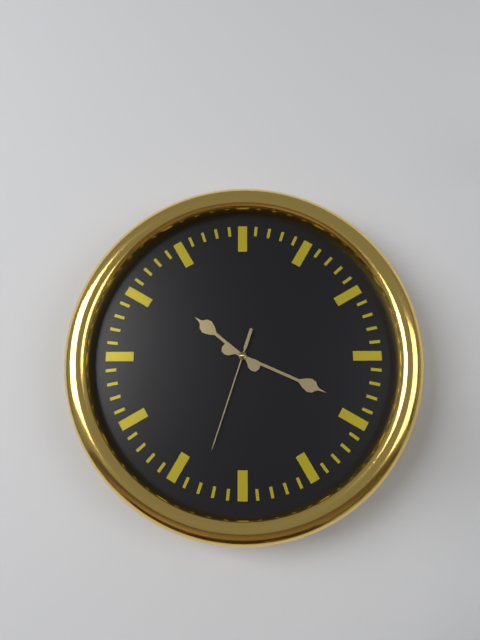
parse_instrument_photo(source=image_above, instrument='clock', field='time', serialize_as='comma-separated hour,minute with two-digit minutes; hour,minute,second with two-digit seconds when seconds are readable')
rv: 10,19,33
